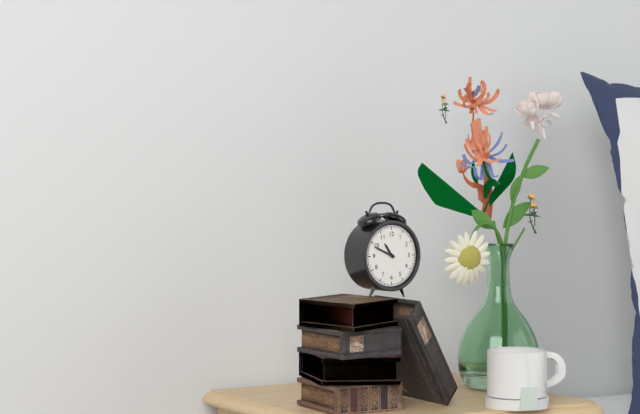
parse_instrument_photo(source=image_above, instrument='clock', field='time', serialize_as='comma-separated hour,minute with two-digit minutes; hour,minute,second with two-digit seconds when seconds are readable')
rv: 10,49
